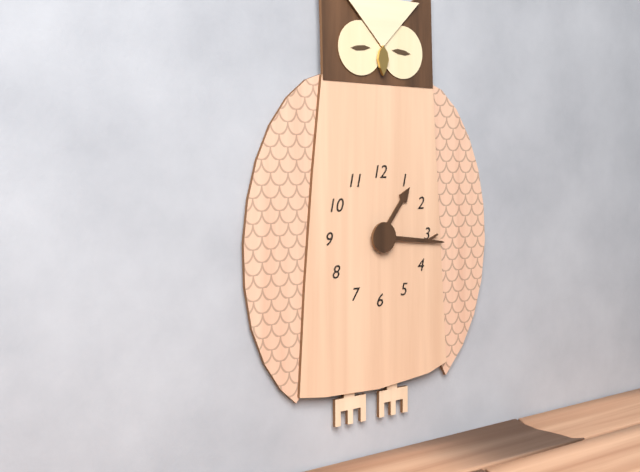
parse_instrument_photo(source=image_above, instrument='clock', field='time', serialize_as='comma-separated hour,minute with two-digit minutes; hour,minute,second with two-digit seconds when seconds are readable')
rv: 1,16
